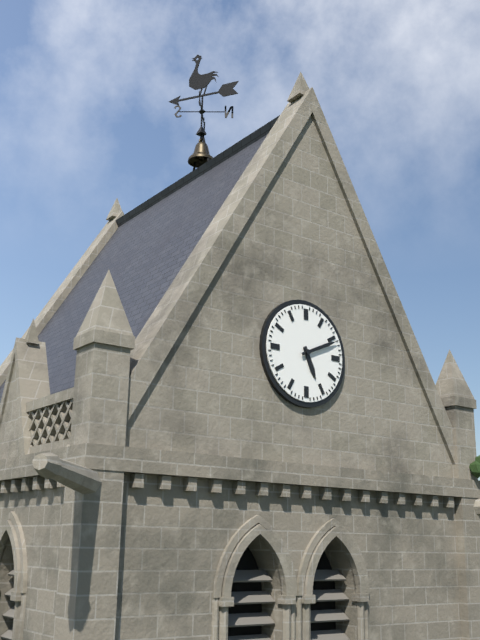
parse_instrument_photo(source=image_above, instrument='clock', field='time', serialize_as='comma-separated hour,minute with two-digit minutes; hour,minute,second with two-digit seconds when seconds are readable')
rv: 5,11
